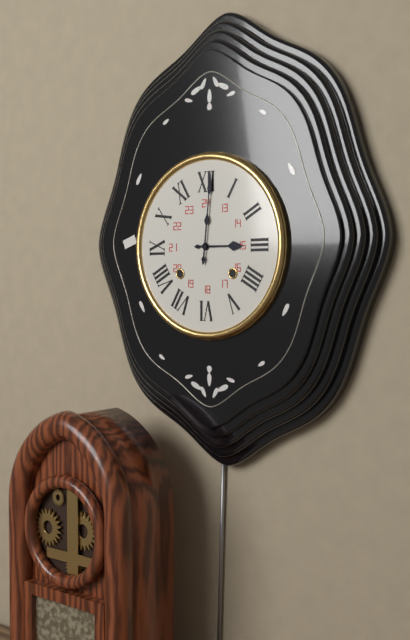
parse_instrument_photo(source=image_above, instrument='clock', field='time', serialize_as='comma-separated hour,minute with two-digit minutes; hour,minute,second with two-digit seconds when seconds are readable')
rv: 3,01
